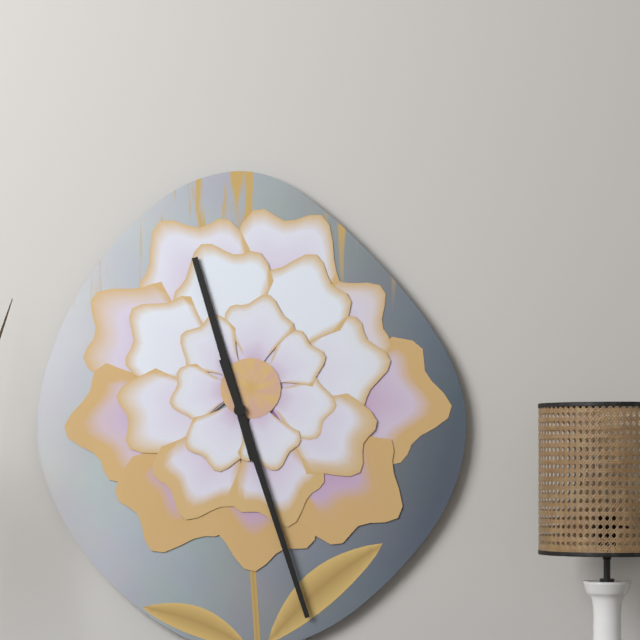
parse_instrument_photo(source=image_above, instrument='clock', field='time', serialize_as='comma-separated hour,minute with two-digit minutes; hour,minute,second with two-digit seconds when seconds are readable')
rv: 11,27
